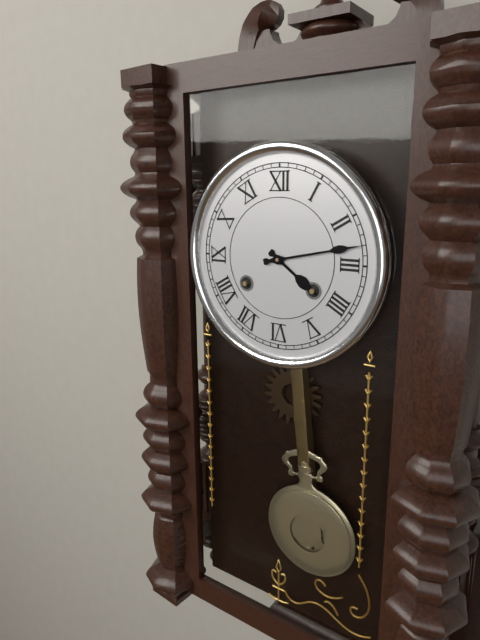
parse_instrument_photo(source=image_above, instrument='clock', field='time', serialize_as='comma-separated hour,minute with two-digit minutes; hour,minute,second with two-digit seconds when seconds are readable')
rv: 4,13
